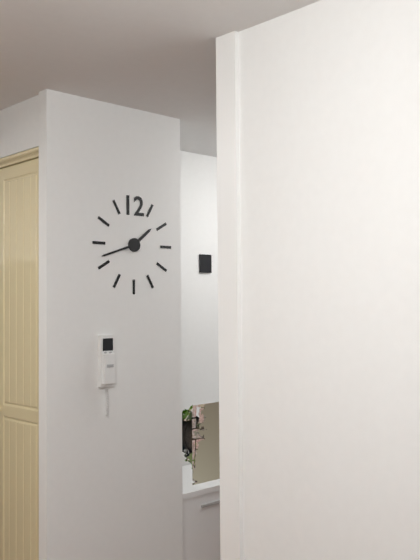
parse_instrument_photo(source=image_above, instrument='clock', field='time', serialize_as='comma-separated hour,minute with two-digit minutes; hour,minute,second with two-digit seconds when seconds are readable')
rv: 1,42
